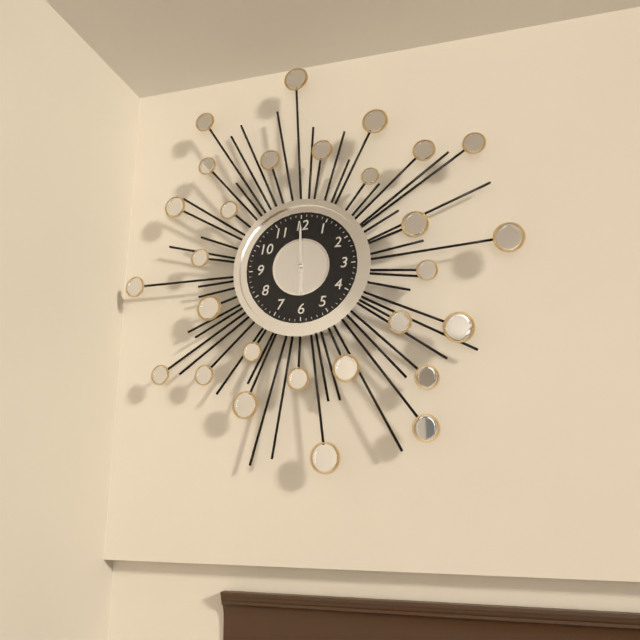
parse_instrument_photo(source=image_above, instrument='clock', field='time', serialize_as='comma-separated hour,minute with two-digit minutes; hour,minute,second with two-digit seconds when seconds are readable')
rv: 6,00
